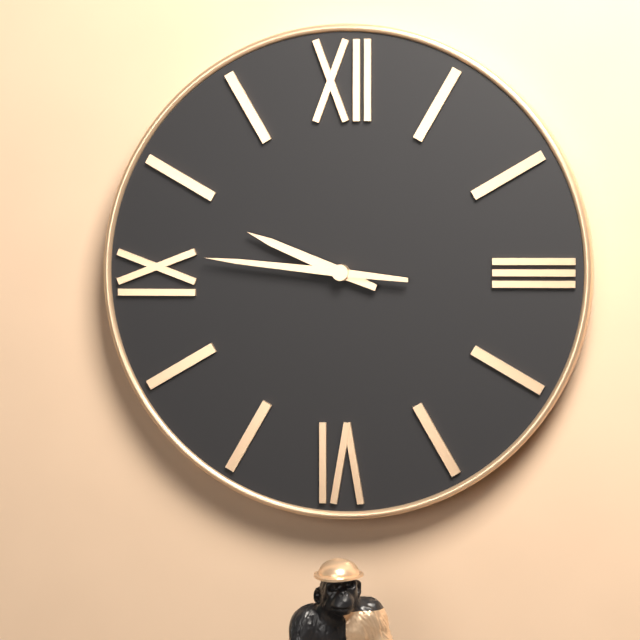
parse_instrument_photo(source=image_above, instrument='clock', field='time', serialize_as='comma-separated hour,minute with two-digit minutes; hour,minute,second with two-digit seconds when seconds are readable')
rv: 9,46
